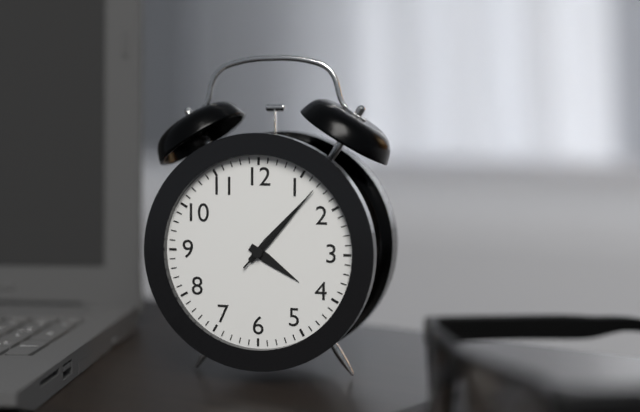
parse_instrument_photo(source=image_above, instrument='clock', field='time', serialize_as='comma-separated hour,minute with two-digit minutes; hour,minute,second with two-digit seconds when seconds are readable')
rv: 4,07,07
